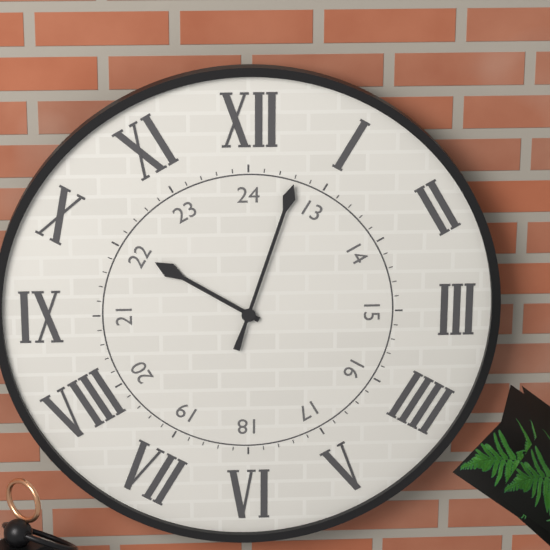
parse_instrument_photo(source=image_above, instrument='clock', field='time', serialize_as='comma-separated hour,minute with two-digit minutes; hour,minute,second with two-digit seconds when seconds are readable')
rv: 10,03
